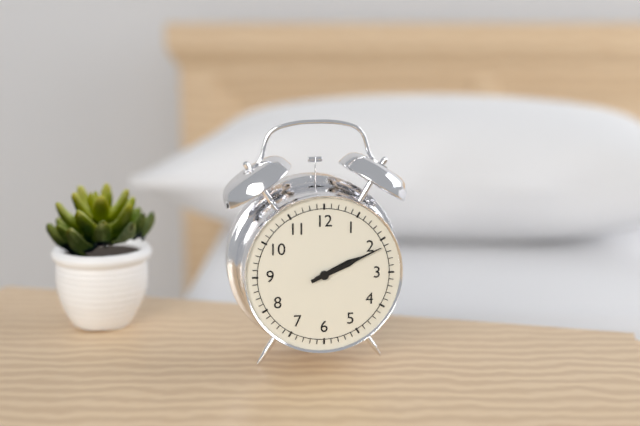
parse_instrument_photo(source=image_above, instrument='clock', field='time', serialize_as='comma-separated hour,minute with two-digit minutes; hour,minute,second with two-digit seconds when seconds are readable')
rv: 2,11
